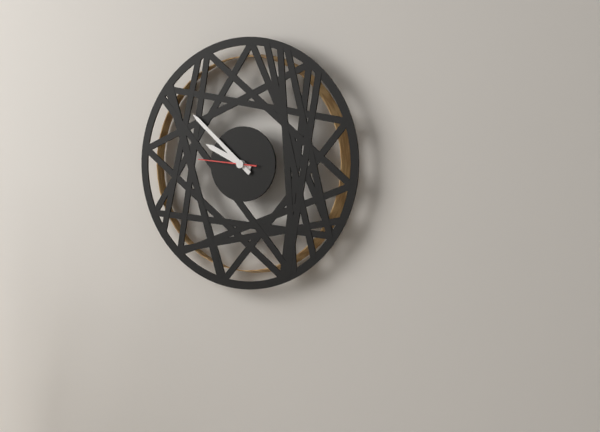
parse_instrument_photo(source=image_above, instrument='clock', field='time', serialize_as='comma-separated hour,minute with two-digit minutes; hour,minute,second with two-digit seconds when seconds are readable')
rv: 9,52,46
